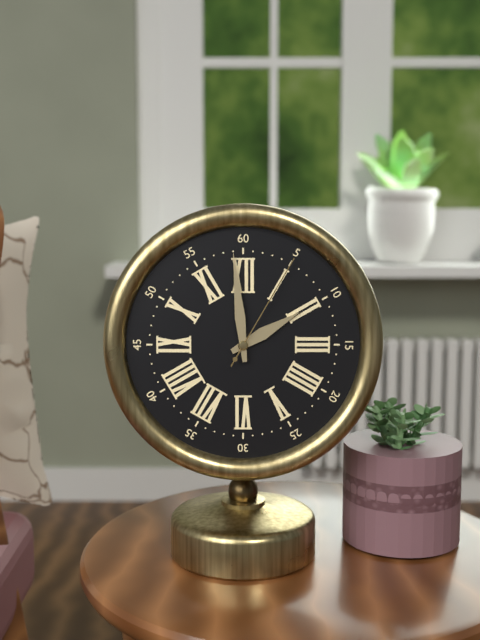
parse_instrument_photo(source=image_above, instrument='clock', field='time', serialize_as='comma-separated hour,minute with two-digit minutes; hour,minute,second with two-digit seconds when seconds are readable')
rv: 1,59,05
